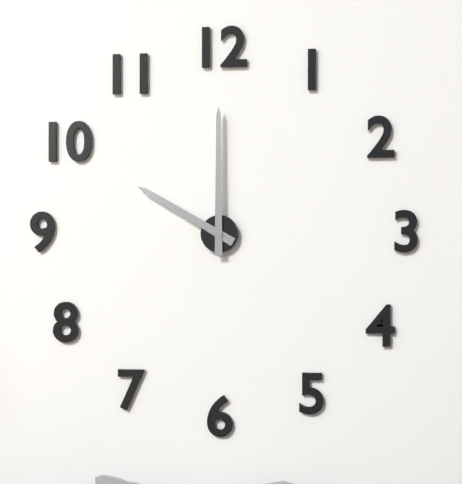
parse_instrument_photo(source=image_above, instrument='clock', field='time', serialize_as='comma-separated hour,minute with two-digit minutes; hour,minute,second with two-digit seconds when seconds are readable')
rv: 10,00
